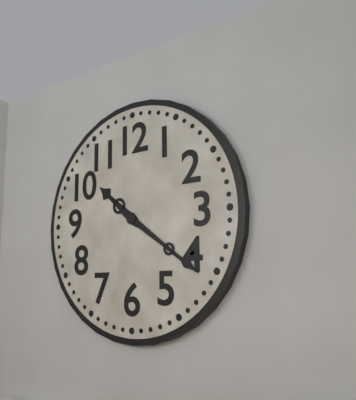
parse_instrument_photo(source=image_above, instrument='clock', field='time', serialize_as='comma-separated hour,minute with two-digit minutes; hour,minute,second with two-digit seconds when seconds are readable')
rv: 10,21
